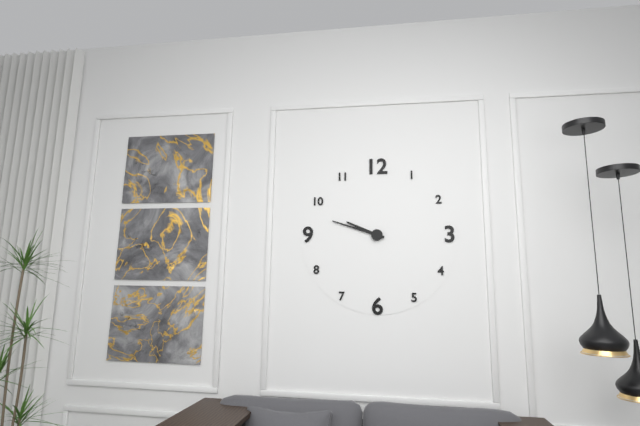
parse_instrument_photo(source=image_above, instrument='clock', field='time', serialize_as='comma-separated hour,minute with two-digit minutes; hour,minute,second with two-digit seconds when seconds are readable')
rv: 9,48
